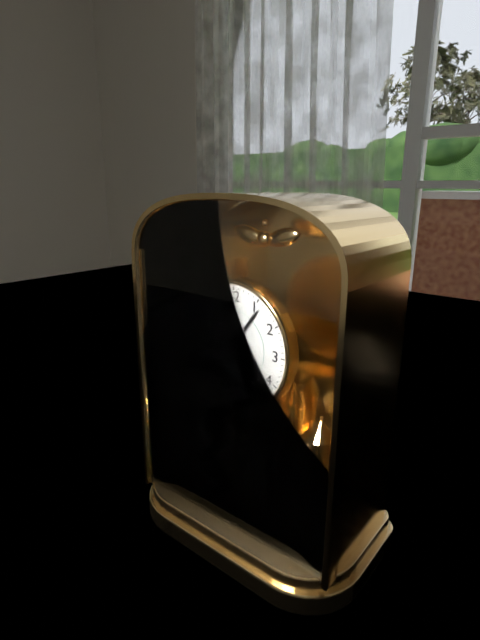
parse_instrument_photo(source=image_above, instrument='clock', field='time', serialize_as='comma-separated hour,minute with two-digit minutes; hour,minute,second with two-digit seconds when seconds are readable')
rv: 11,06,31
